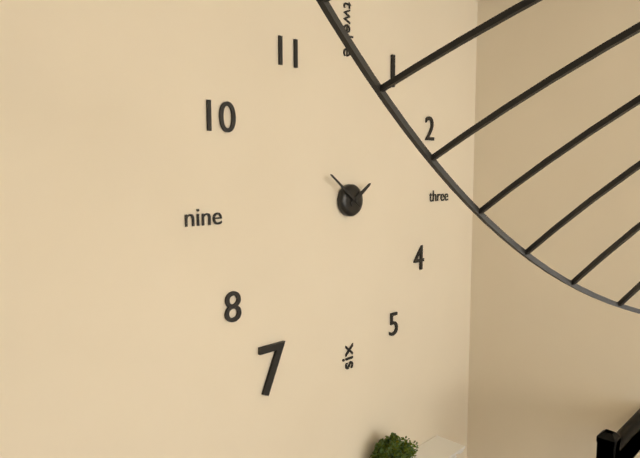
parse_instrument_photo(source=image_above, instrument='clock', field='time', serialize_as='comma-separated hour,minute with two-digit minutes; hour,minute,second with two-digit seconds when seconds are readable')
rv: 1,51
